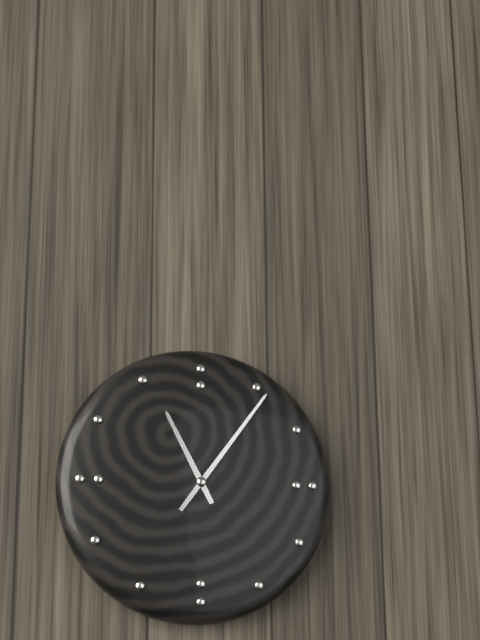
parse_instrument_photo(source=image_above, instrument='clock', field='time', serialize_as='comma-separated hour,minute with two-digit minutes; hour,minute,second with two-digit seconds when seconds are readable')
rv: 11,06
